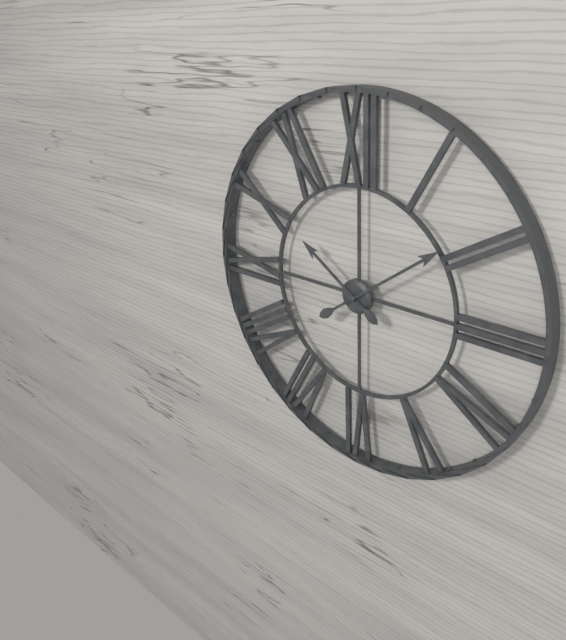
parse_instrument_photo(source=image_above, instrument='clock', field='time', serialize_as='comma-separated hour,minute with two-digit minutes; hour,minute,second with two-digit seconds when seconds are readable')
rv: 10,09
